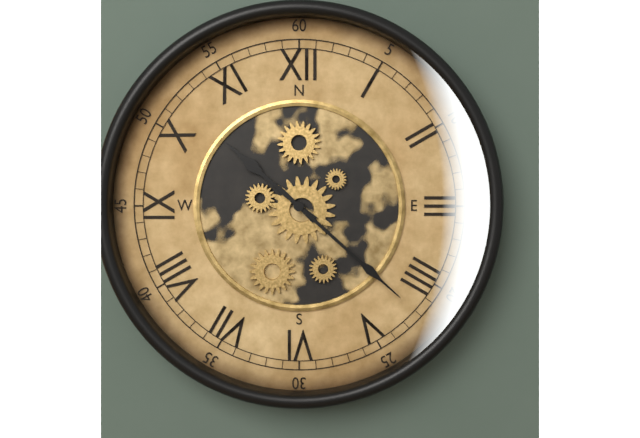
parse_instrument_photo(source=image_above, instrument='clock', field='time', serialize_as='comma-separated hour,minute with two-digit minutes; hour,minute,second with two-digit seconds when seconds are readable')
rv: 10,22
